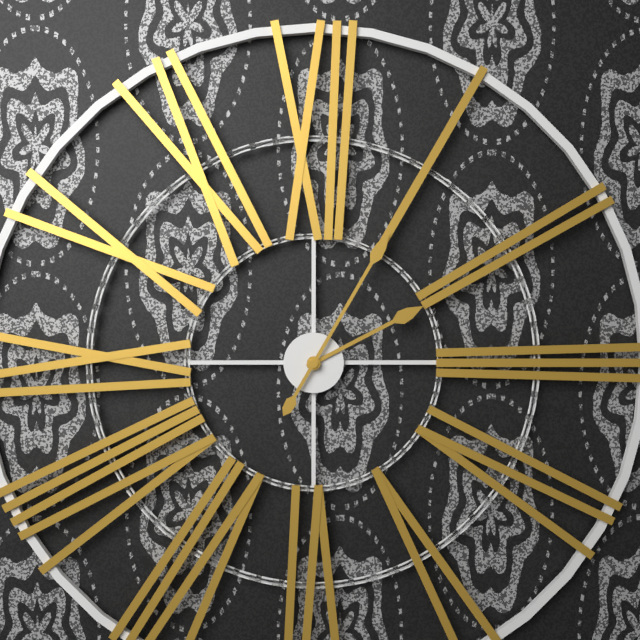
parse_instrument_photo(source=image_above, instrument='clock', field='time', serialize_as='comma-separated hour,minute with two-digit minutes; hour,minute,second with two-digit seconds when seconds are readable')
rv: 2,05
